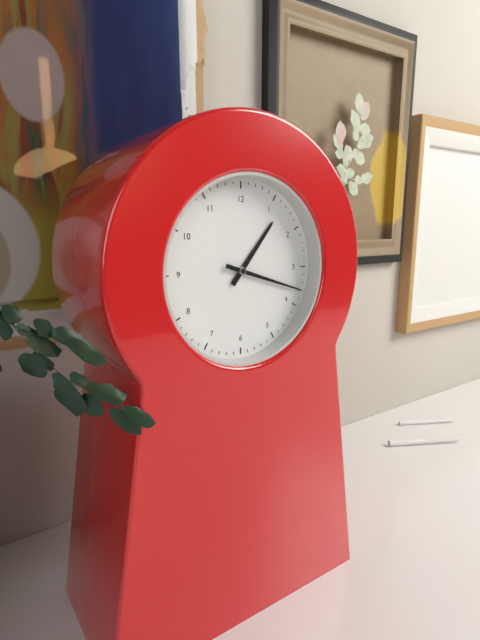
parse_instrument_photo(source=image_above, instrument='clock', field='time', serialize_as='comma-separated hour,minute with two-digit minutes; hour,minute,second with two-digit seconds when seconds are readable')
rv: 1,18
